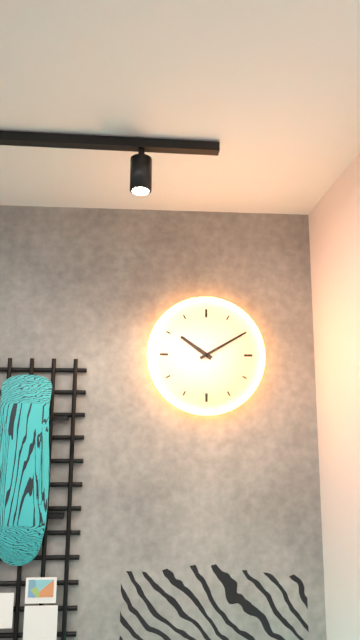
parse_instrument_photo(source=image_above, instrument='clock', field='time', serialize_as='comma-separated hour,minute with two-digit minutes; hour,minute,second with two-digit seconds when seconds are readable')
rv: 10,10
